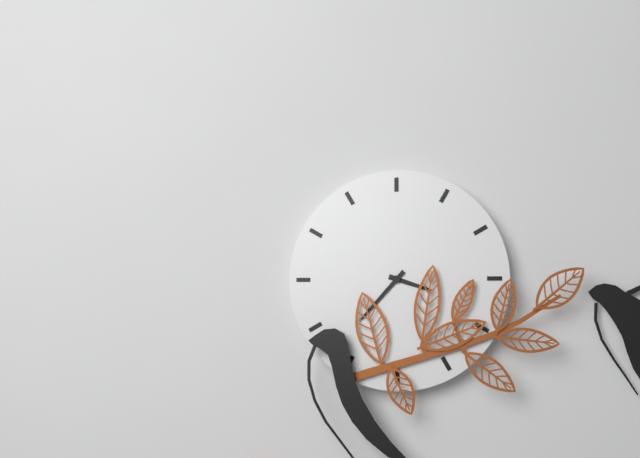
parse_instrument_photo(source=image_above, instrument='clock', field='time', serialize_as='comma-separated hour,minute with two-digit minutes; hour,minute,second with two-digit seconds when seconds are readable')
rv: 3,37
